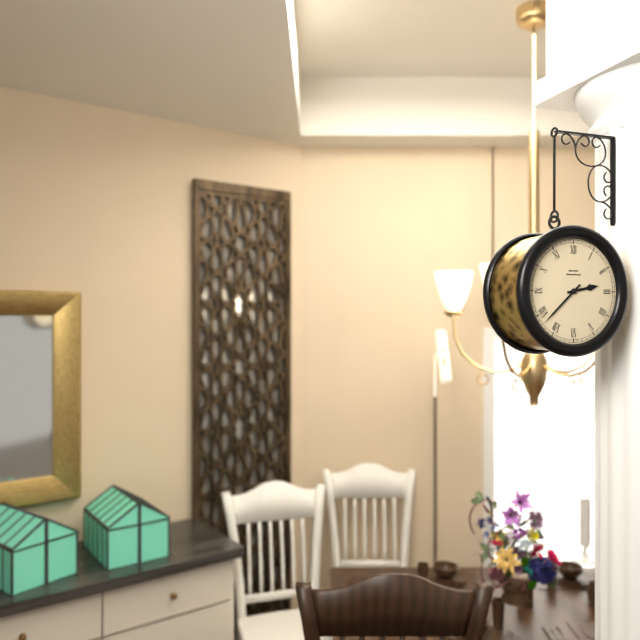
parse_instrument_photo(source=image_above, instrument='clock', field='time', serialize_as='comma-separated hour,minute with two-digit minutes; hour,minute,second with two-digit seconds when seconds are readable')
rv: 2,38
